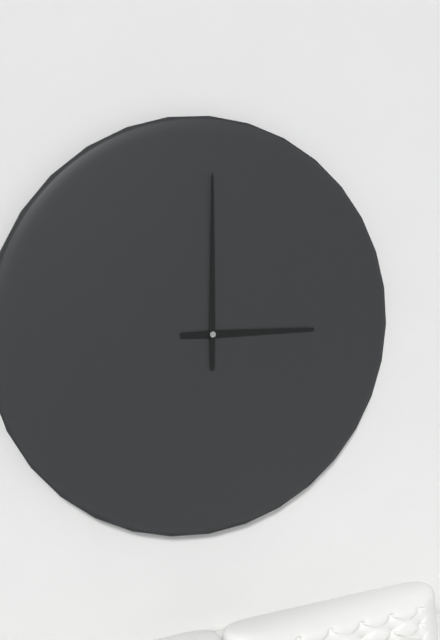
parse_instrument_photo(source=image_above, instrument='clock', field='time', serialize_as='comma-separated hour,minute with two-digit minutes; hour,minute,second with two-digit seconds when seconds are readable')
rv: 3,00
